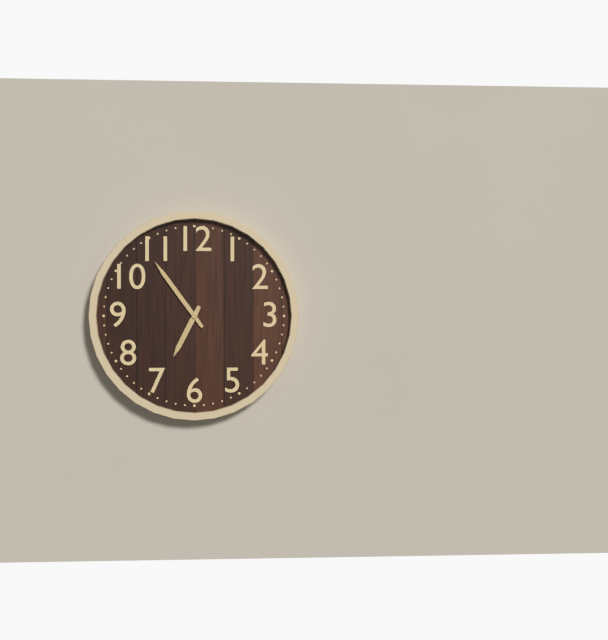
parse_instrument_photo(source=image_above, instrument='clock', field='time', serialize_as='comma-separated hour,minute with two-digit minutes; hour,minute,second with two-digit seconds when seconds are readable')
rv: 6,54
